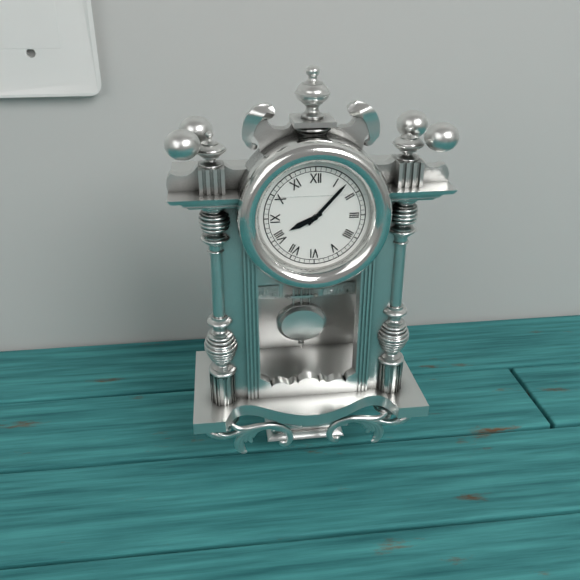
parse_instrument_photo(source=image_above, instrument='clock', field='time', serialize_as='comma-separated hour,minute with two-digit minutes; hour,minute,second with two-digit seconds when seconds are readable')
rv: 8,07
